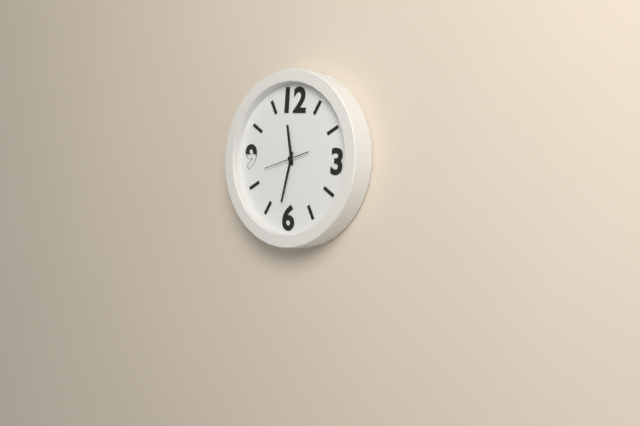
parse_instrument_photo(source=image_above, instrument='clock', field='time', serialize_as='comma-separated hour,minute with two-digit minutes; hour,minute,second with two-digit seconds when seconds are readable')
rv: 11,32
